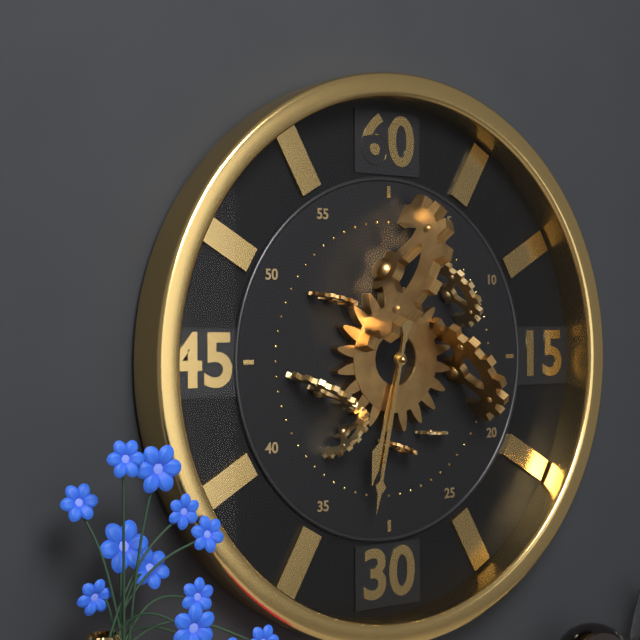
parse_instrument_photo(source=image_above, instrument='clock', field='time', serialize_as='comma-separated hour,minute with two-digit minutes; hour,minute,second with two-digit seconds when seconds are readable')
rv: 6,32
